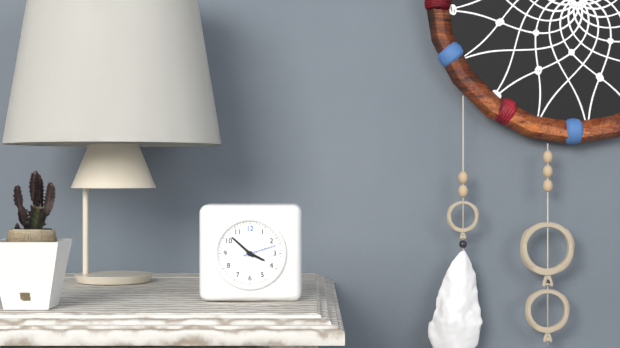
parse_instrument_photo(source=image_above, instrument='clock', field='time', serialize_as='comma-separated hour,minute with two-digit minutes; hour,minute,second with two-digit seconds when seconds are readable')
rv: 3,52
